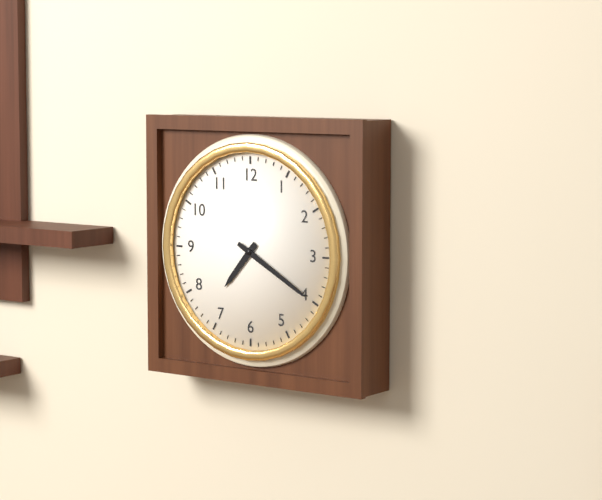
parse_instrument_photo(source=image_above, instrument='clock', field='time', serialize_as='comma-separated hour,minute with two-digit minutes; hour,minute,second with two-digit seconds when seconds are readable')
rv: 7,20
